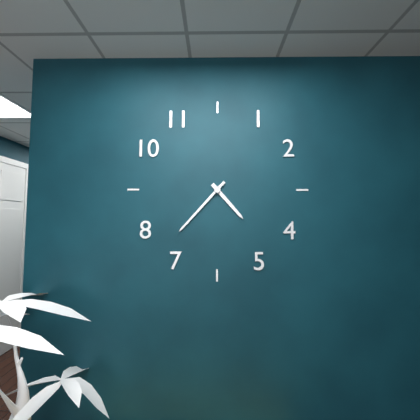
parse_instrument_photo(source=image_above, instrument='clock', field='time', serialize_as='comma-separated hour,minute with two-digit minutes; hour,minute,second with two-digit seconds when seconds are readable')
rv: 4,37
